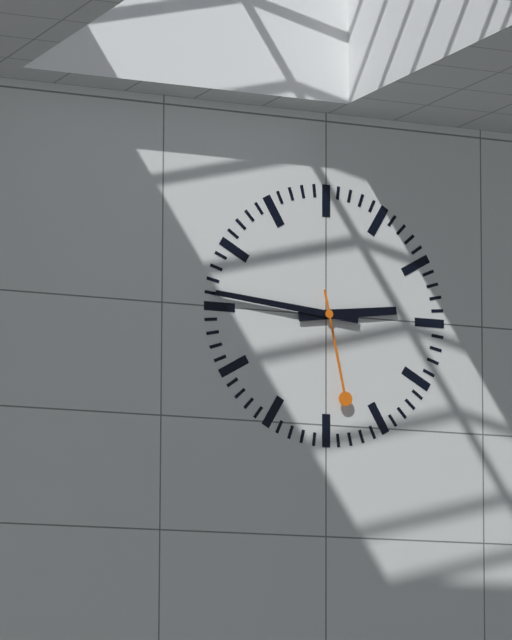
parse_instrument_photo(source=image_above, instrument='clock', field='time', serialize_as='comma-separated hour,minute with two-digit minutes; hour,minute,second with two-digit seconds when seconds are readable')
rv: 2,46,28
